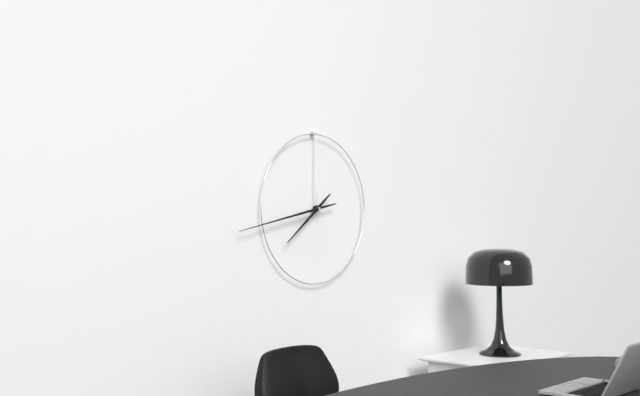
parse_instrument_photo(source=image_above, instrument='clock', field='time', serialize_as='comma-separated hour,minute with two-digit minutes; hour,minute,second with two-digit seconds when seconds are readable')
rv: 7,43
